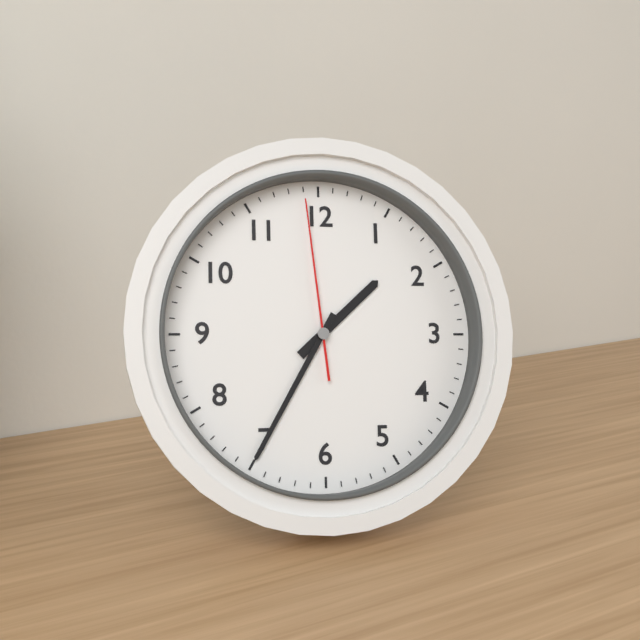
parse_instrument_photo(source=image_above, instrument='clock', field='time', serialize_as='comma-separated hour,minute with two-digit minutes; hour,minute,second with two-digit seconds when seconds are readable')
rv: 1,35,59
